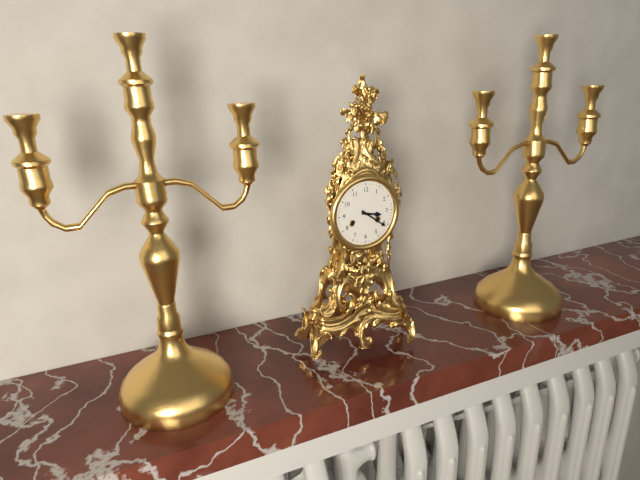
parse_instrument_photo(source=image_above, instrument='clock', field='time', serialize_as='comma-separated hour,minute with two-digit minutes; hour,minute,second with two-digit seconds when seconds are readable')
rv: 3,21
